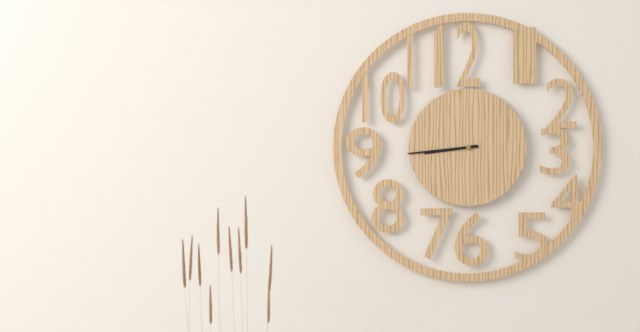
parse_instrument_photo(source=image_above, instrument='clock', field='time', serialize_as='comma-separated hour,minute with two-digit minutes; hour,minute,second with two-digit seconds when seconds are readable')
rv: 8,44
